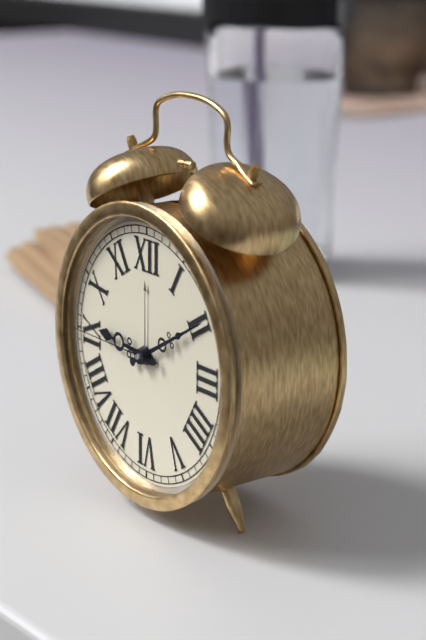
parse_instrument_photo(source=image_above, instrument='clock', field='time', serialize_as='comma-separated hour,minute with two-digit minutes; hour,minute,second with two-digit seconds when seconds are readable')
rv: 9,10,45
